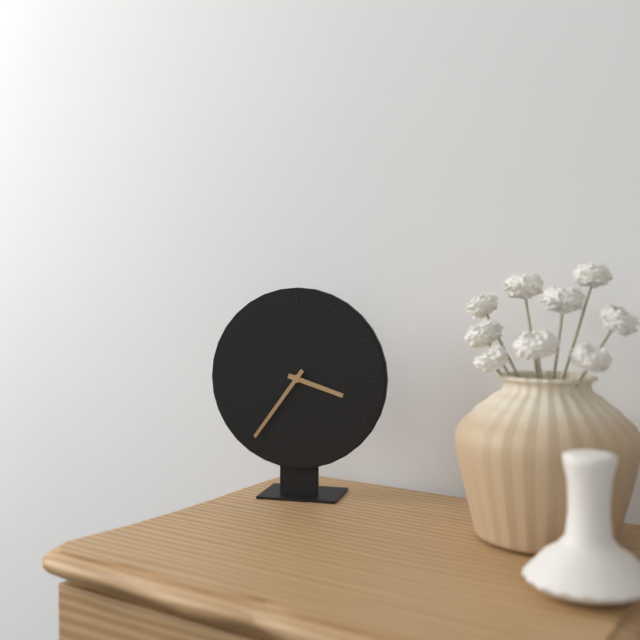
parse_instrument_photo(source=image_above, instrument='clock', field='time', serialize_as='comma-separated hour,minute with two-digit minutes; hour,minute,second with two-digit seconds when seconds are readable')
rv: 3,36
